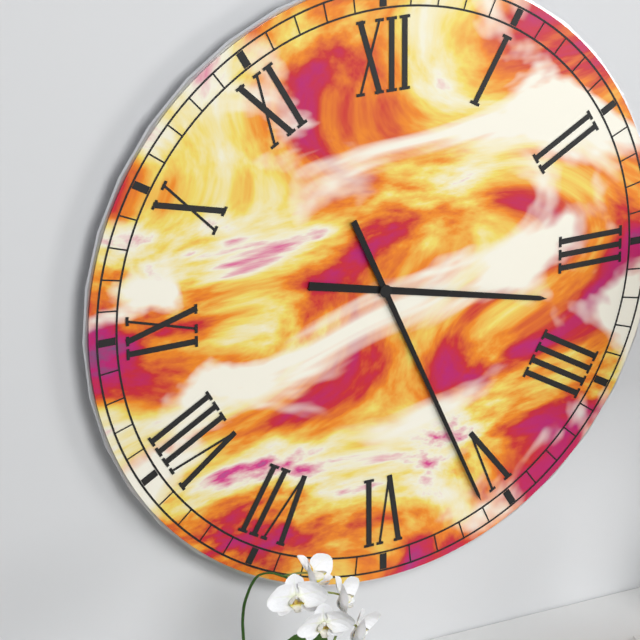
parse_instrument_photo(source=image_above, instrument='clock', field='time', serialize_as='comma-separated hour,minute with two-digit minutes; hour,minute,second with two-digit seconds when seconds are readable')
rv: 3,26
